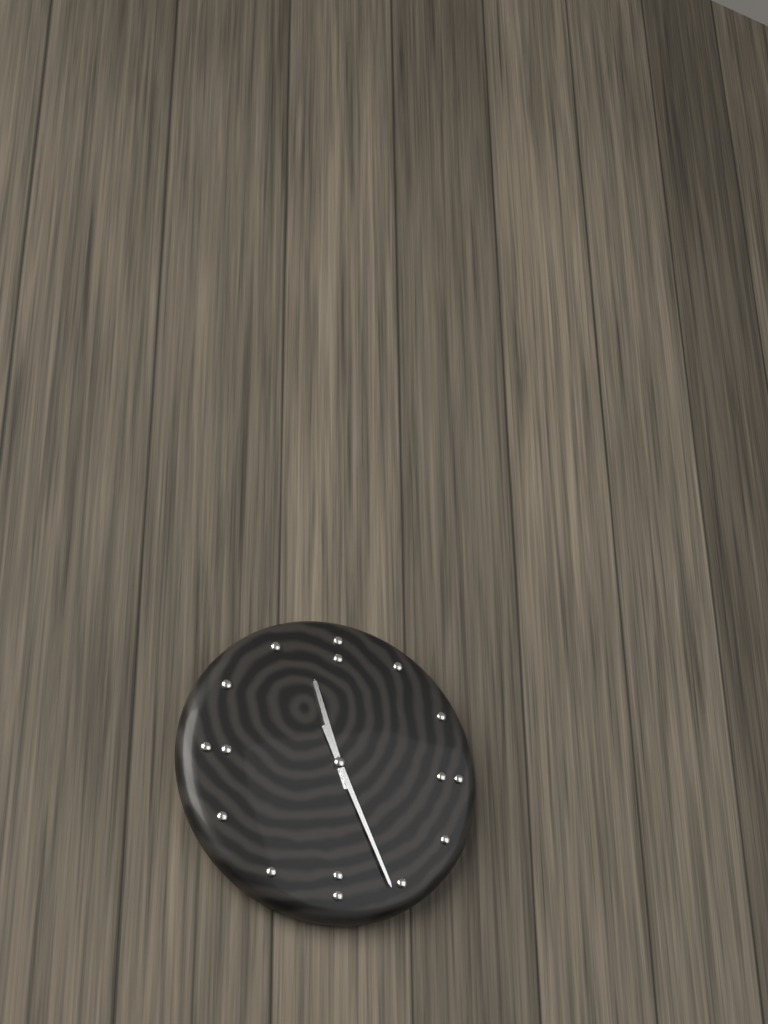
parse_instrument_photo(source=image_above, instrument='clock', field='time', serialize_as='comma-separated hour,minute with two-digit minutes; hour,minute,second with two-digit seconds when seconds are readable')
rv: 11,26
